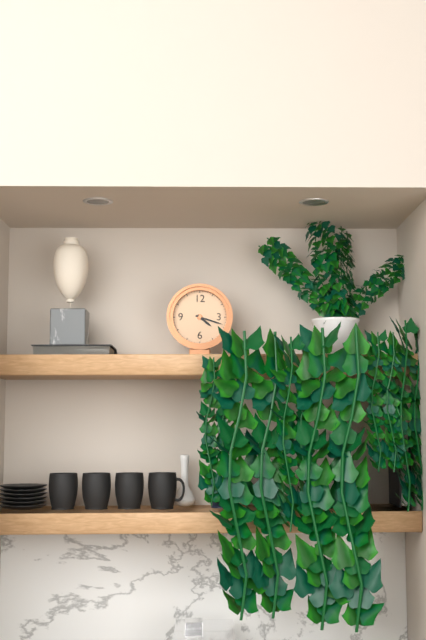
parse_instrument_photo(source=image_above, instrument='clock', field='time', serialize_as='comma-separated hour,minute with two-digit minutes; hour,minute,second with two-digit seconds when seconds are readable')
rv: 4,18
